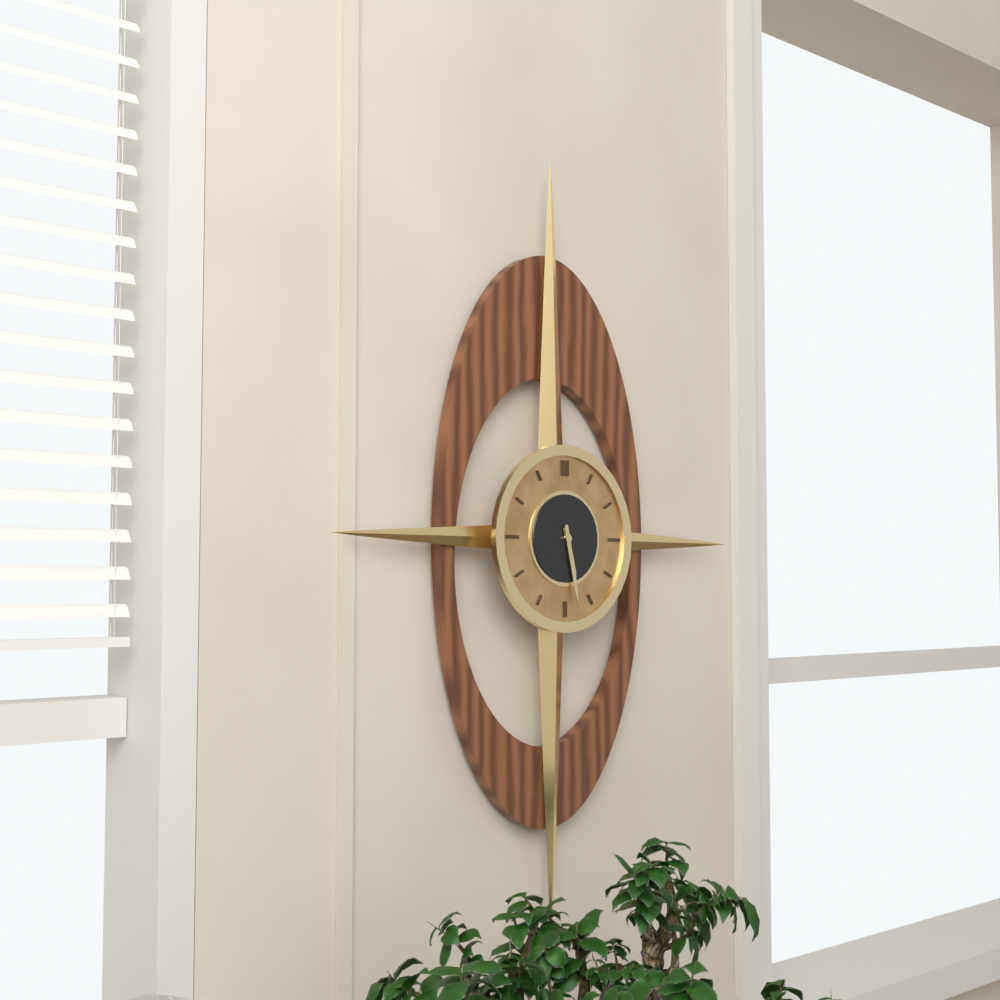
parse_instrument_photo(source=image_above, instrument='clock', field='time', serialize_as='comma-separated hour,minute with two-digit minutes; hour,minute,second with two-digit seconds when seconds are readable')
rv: 5,28
